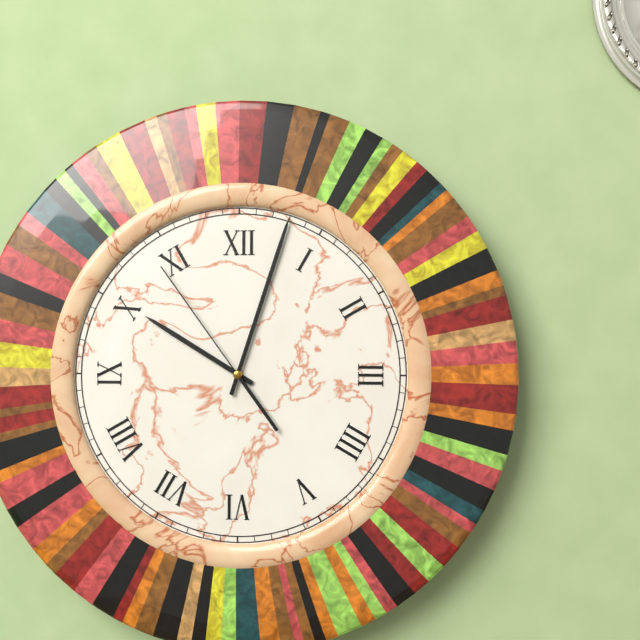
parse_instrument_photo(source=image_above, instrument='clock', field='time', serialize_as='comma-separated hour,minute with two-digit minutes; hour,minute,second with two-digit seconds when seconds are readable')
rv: 10,03,54
